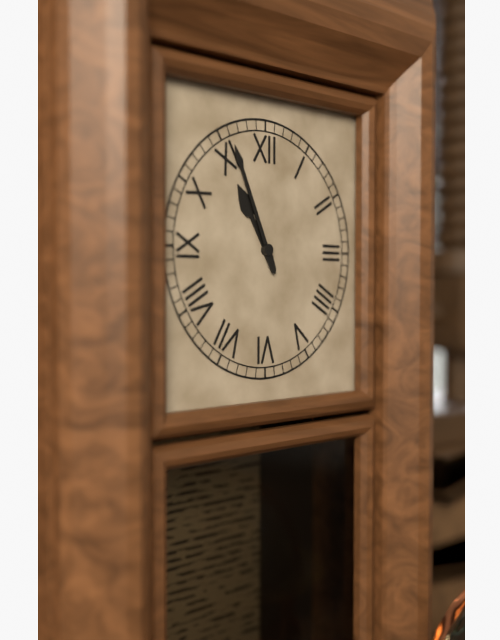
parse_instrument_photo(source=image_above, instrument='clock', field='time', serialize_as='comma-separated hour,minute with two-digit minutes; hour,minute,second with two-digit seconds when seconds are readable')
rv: 10,56
